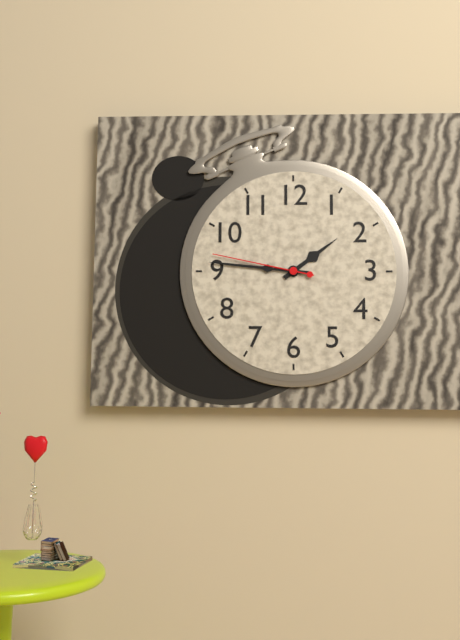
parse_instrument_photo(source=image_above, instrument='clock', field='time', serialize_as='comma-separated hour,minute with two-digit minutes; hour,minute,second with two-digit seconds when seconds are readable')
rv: 1,46,47
